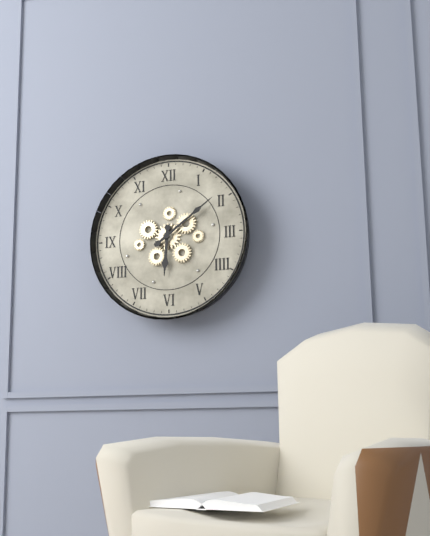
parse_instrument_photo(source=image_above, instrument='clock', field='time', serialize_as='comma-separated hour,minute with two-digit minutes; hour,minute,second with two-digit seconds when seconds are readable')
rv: 6,09
